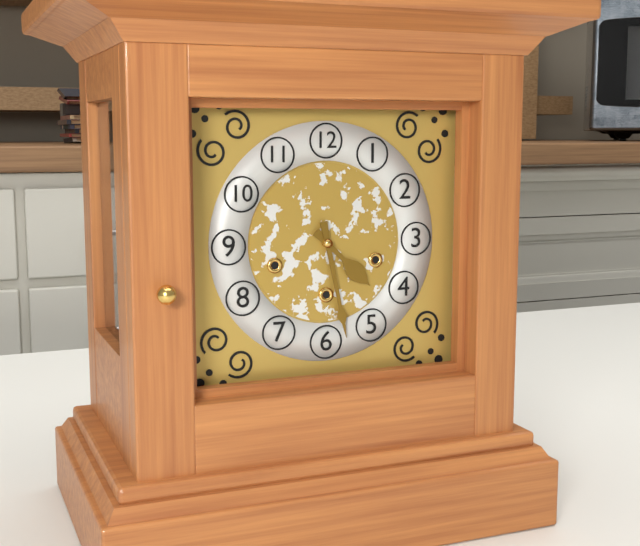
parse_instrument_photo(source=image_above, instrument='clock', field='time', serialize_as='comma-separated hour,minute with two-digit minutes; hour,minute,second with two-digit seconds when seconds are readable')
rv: 4,28
